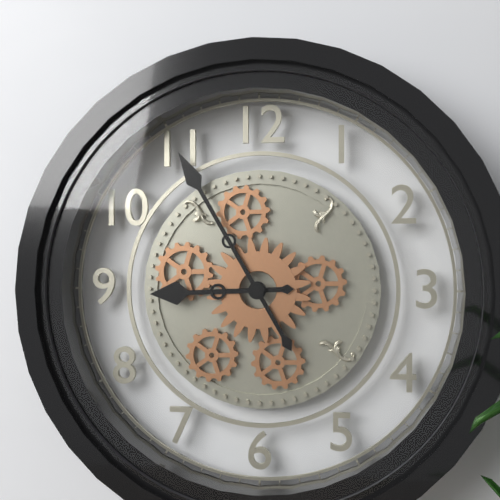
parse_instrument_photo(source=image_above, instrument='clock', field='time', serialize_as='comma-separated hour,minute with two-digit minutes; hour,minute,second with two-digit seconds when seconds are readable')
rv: 8,55
